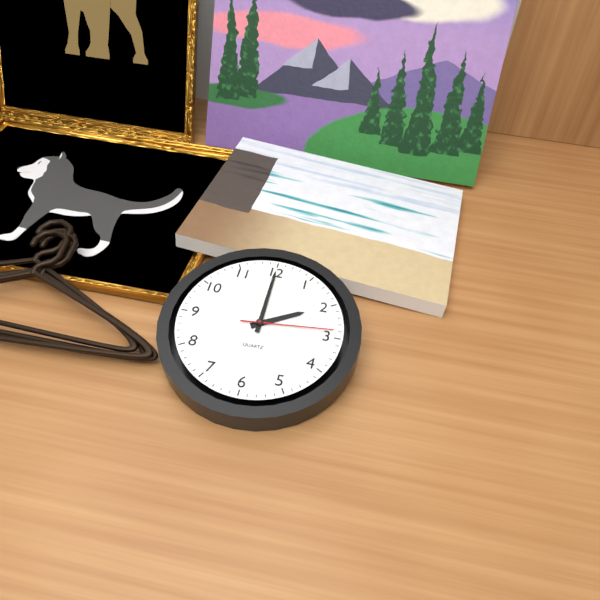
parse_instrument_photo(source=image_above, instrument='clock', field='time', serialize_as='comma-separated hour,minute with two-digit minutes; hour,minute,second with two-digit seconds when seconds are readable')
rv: 2,00,14
